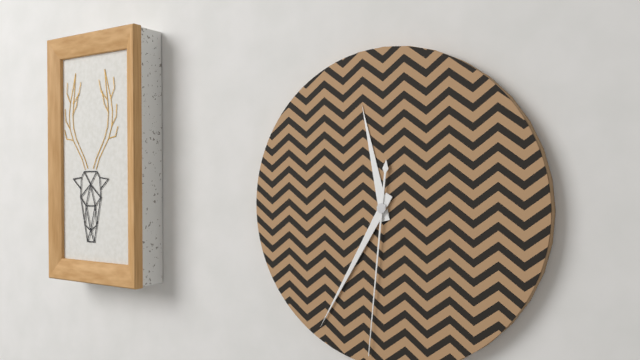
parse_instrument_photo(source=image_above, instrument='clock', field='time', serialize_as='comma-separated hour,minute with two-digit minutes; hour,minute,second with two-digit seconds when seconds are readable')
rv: 11,35,31
